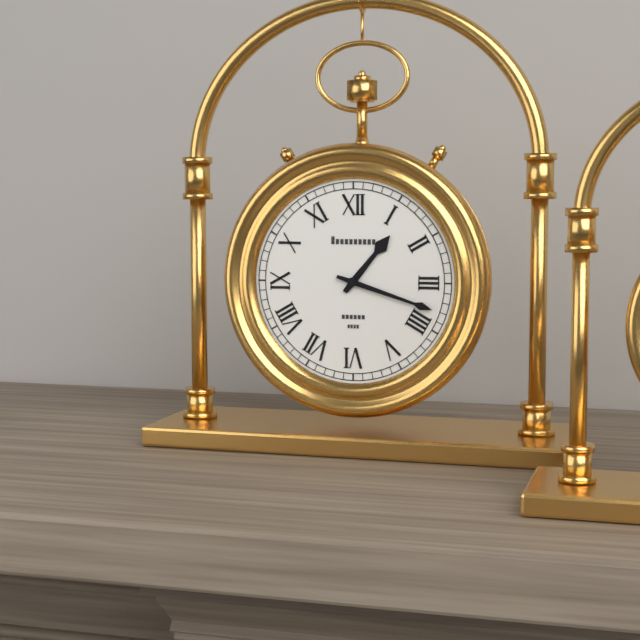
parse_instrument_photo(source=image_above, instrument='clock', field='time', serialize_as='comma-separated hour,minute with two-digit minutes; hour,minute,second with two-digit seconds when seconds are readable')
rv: 1,18
